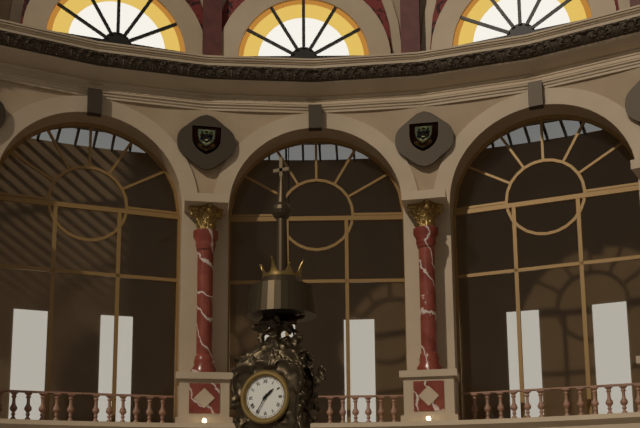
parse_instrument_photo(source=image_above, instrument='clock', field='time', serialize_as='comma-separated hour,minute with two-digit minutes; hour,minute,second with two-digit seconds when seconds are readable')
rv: 1,35
